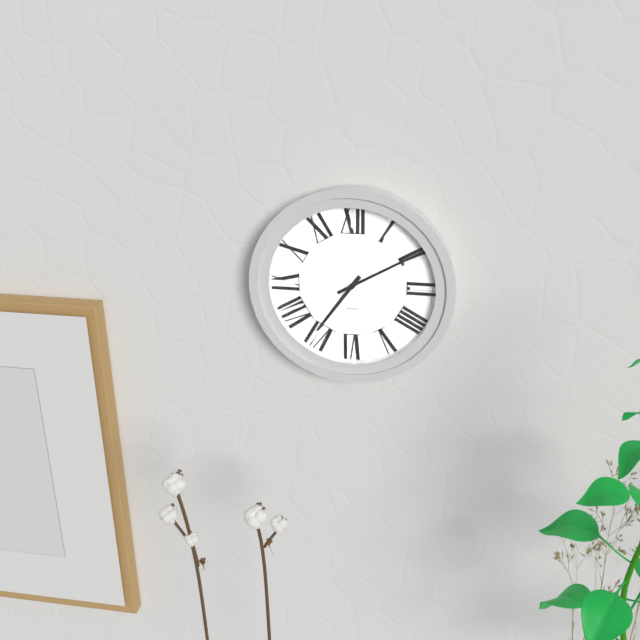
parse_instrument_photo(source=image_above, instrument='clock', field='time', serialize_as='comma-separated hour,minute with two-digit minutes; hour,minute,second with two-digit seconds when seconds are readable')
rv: 7,10
